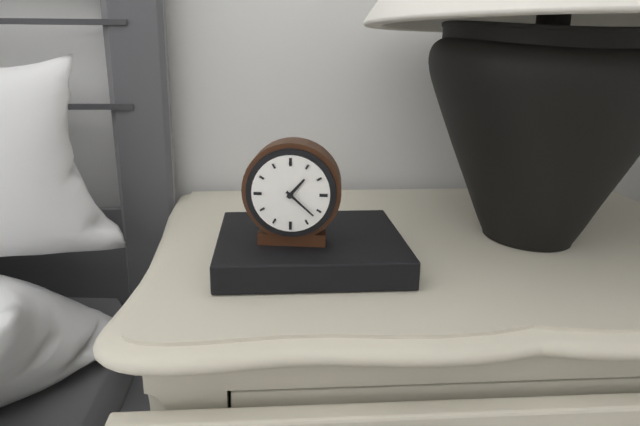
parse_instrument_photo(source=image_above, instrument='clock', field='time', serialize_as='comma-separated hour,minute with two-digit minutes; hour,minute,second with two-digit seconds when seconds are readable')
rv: 1,22
